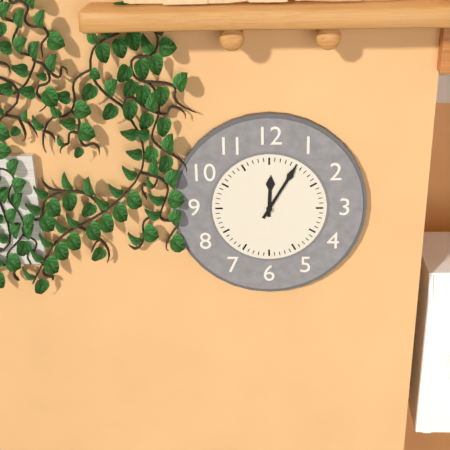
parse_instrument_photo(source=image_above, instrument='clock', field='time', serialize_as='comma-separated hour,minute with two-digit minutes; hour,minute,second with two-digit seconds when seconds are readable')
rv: 12,05
